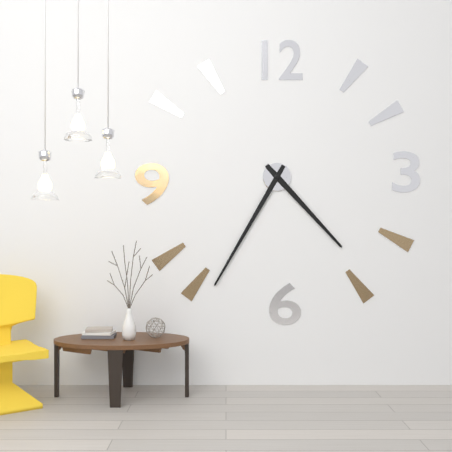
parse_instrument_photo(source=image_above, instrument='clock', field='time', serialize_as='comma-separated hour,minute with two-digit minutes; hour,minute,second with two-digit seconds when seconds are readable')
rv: 4,35
